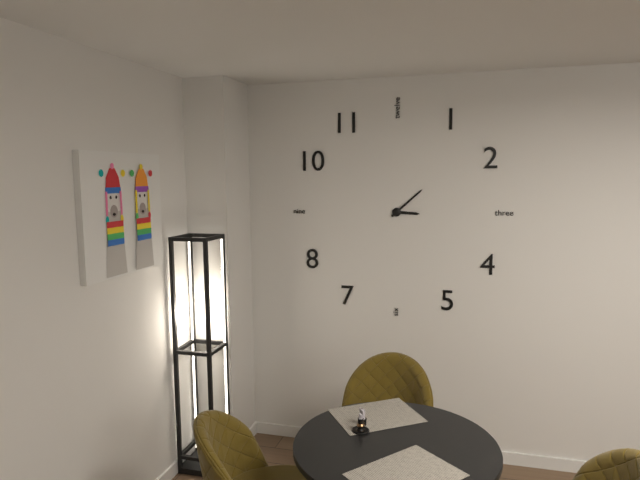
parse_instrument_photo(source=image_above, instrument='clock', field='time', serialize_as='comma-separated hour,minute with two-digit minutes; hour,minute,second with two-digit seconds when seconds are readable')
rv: 3,08
